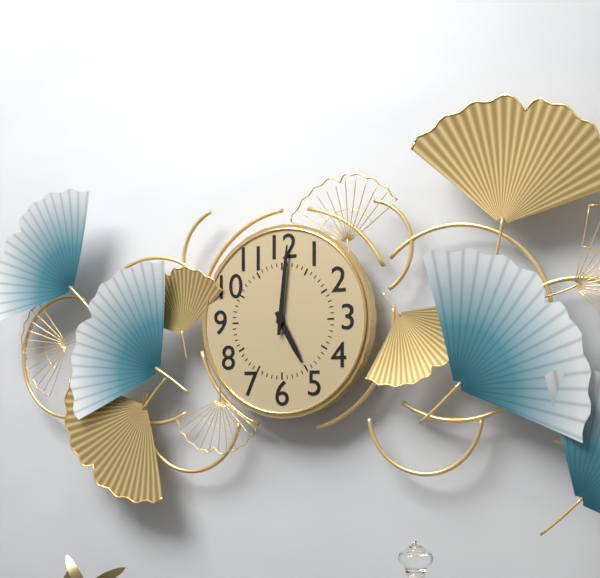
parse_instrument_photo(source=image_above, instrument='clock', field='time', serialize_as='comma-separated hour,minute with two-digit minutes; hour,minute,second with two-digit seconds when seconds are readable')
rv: 5,01
